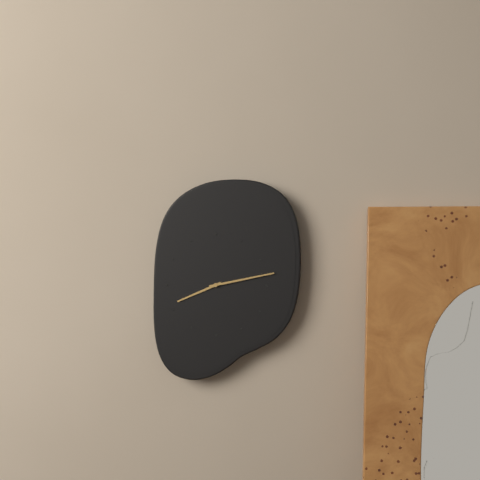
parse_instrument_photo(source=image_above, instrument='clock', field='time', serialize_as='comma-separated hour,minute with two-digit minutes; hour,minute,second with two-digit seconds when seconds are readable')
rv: 8,13
